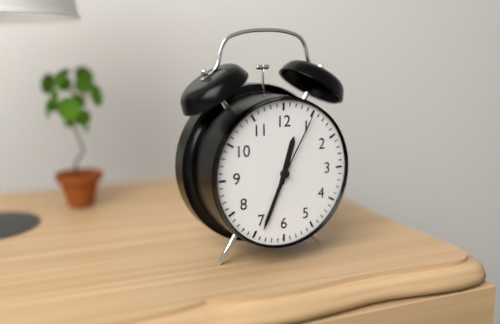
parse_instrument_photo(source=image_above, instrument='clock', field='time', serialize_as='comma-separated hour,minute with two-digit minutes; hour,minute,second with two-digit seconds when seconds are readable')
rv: 12,34,05
